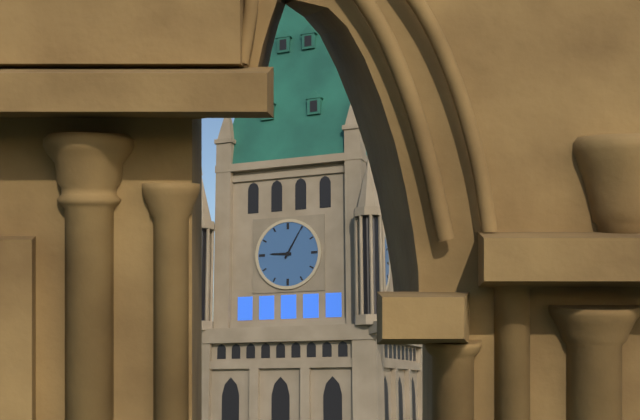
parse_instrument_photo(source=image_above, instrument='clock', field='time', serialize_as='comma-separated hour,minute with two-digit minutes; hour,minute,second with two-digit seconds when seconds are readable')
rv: 9,05
